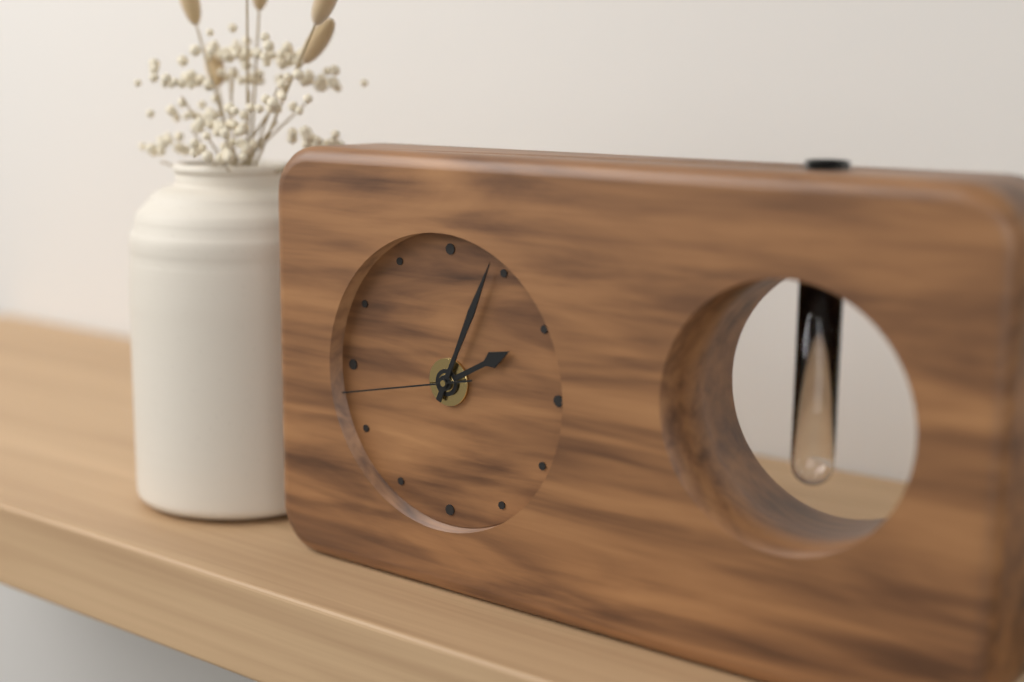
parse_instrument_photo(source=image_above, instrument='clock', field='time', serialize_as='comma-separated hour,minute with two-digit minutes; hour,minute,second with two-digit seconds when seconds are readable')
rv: 2,04,43
